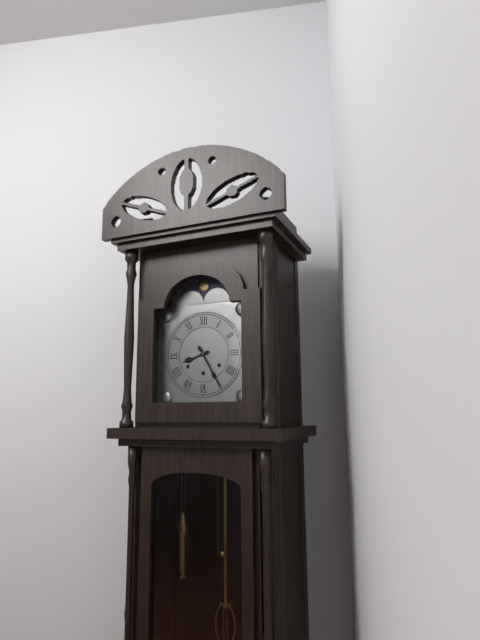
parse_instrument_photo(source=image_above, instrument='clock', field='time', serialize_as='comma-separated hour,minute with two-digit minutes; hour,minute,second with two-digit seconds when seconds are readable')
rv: 8,25
